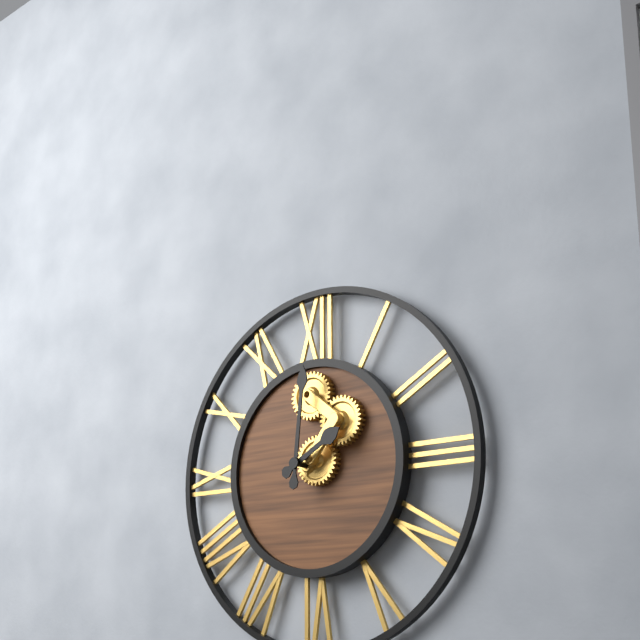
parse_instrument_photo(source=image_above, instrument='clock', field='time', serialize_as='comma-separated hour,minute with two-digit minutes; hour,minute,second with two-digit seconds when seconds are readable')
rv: 2,01
